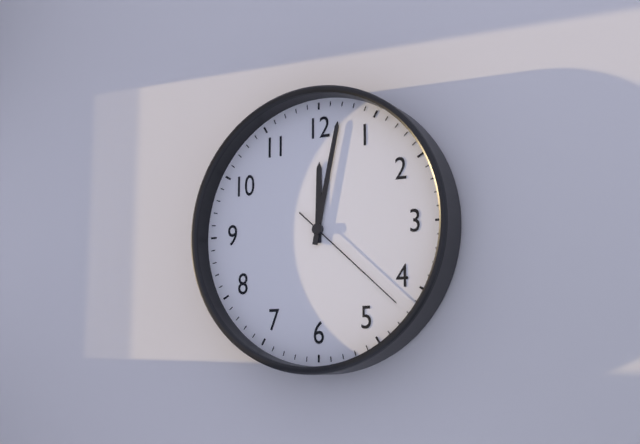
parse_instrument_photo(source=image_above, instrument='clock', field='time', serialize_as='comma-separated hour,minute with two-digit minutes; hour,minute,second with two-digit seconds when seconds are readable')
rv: 12,02,22
